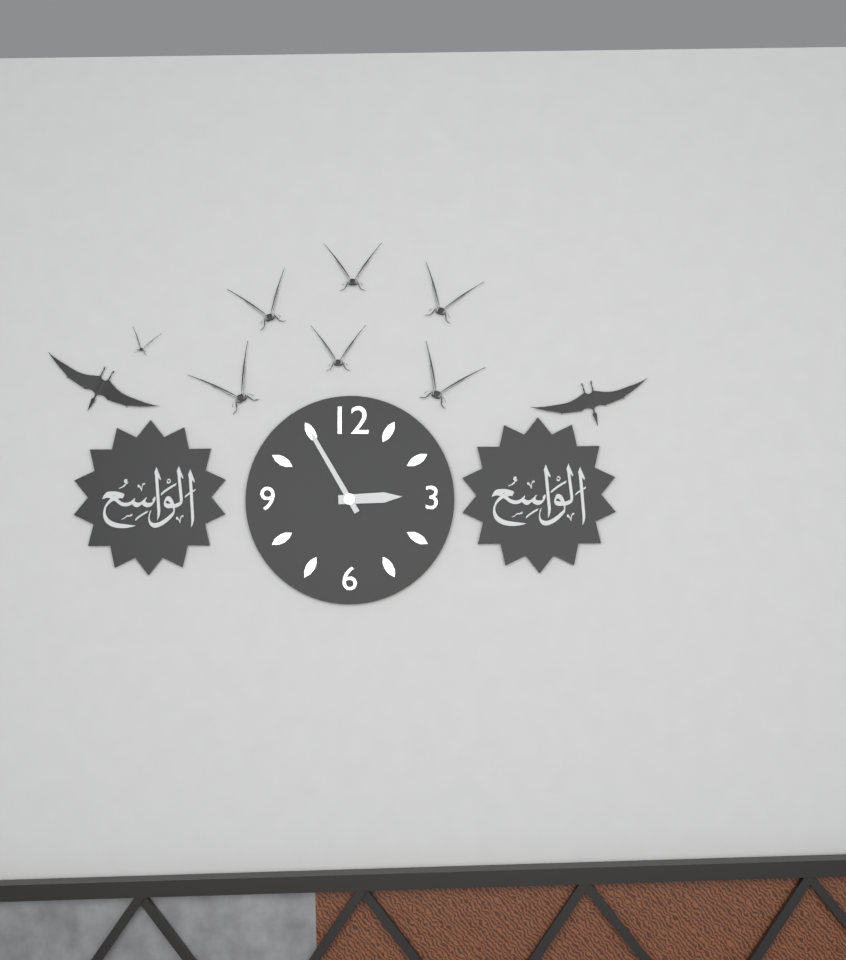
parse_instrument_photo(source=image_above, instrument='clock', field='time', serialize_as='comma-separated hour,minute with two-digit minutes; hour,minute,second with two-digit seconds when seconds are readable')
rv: 2,55
